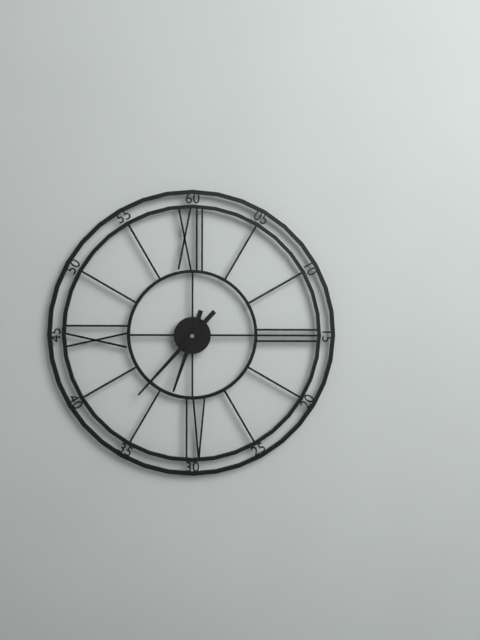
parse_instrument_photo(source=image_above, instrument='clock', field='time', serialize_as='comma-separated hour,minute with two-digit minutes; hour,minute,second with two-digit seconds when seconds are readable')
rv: 6,37
